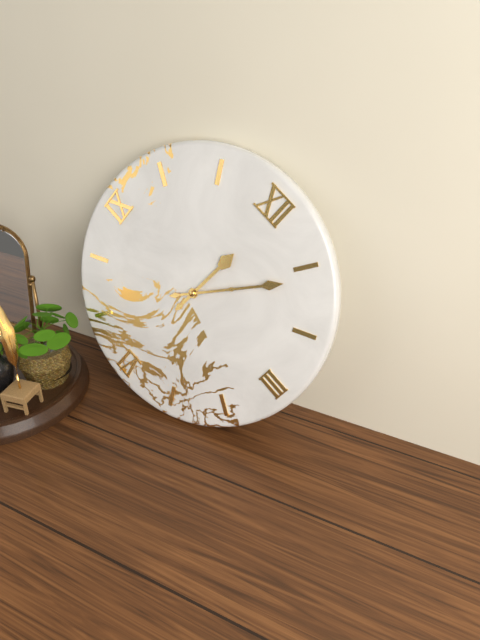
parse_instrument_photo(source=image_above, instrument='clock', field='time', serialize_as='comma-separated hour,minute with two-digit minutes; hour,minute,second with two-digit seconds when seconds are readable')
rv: 12,06
